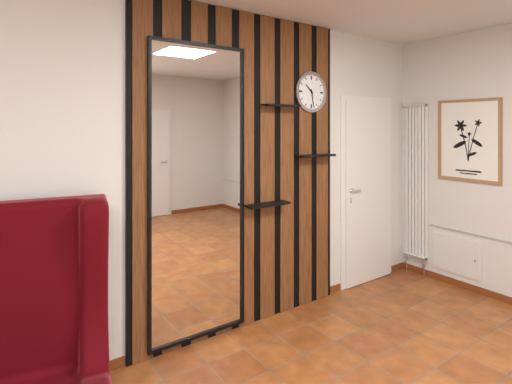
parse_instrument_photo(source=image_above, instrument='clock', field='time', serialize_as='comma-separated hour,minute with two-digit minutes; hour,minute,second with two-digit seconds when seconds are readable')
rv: 10,28
